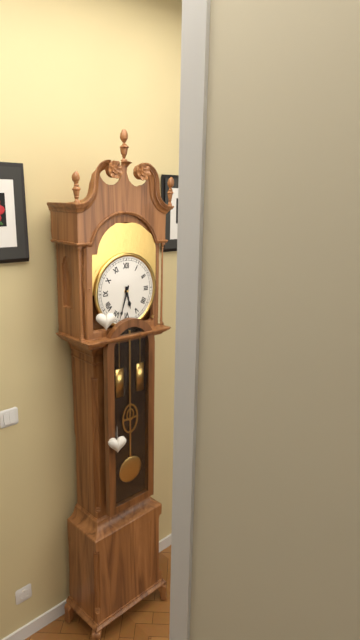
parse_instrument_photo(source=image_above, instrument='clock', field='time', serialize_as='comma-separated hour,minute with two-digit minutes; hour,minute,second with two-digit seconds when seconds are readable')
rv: 5,33
